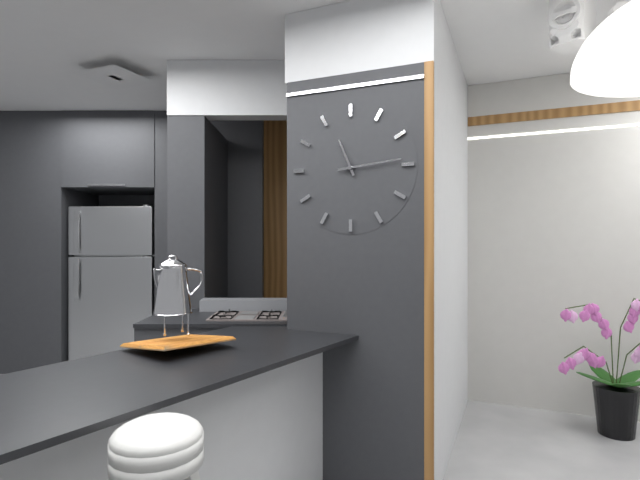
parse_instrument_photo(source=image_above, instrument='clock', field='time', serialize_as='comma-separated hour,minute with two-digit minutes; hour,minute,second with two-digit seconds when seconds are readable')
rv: 11,14
